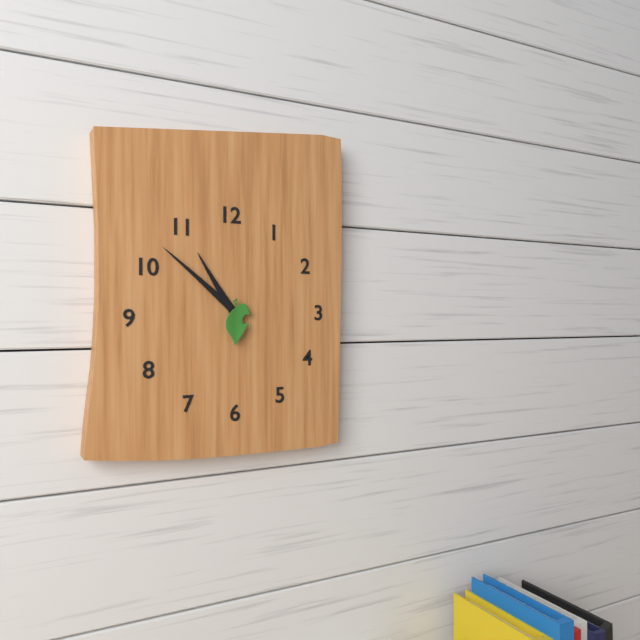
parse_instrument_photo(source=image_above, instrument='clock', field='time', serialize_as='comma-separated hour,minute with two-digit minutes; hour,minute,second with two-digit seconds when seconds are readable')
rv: 10,52
